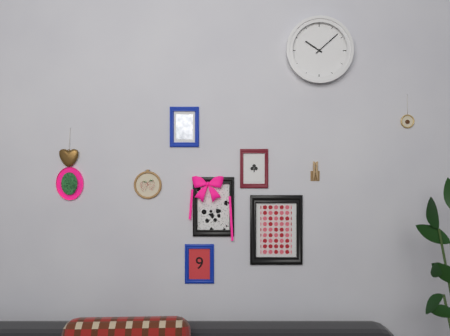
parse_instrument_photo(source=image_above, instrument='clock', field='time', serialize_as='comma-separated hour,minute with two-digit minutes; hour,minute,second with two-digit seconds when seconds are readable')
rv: 10,08
